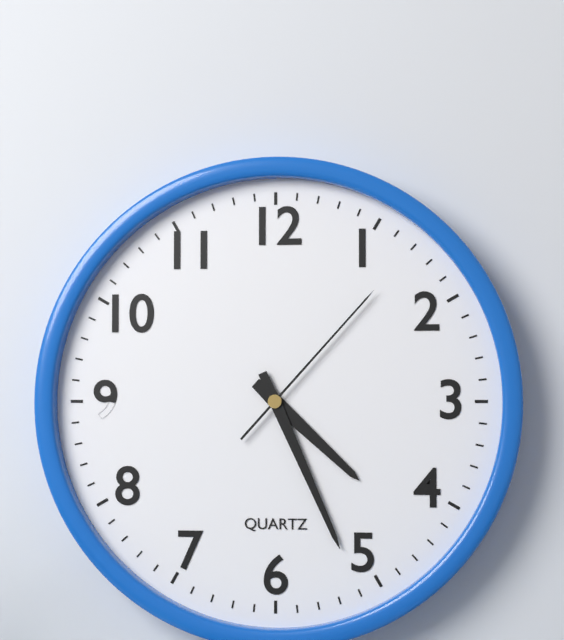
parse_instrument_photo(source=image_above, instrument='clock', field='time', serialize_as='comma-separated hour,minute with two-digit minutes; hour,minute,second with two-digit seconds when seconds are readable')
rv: 4,26,07
